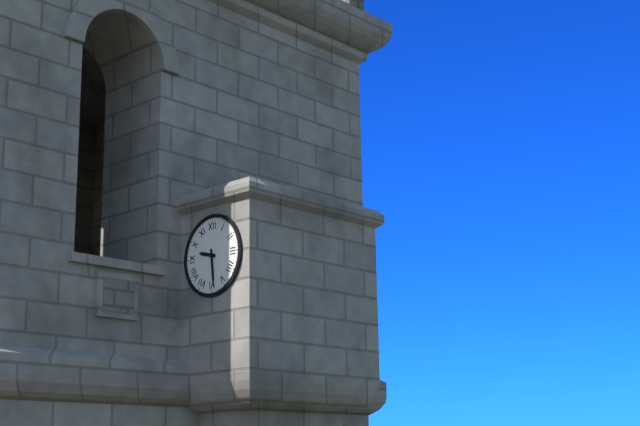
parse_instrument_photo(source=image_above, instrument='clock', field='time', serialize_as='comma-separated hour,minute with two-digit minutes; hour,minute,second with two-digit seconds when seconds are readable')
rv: 9,29
